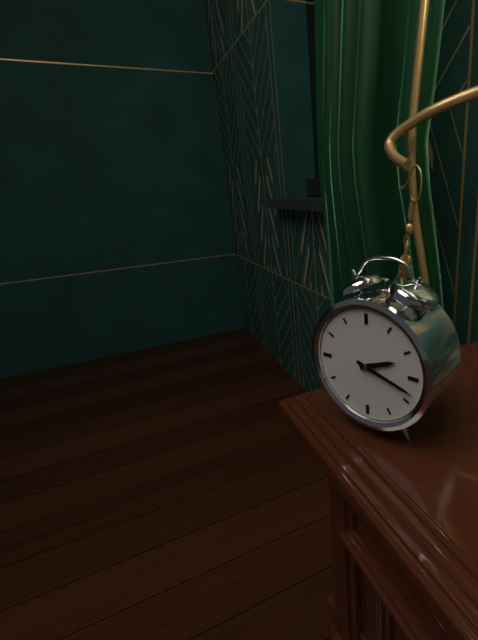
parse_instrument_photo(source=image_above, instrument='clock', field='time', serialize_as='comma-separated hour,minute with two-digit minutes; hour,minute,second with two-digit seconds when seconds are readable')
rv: 2,18
